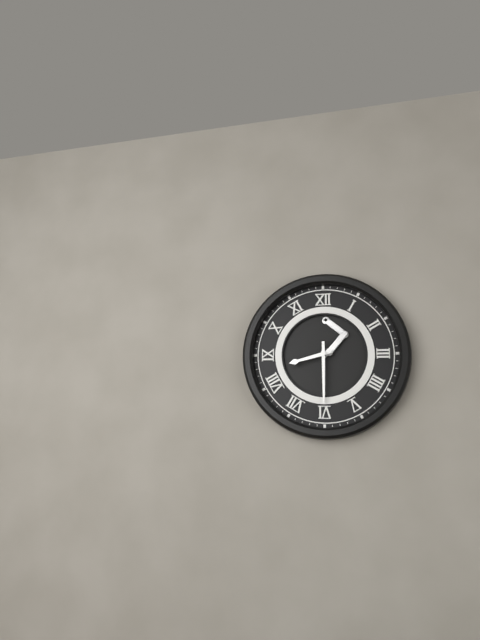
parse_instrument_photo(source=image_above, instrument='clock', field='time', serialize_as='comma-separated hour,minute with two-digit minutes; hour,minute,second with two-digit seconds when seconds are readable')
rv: 8,30
